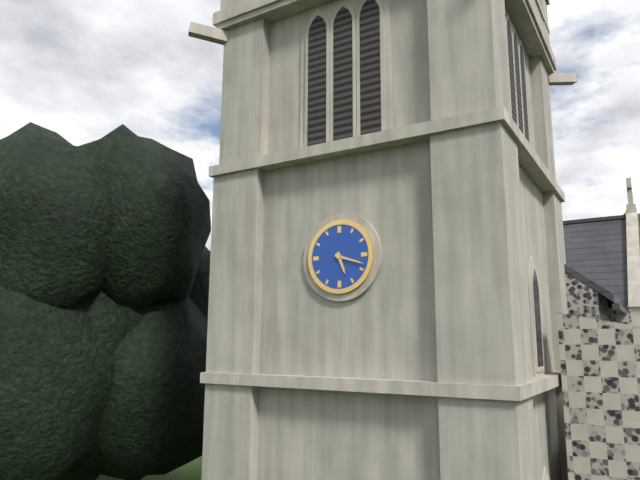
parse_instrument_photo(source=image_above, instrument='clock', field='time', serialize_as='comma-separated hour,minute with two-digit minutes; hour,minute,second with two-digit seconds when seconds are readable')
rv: 5,18
